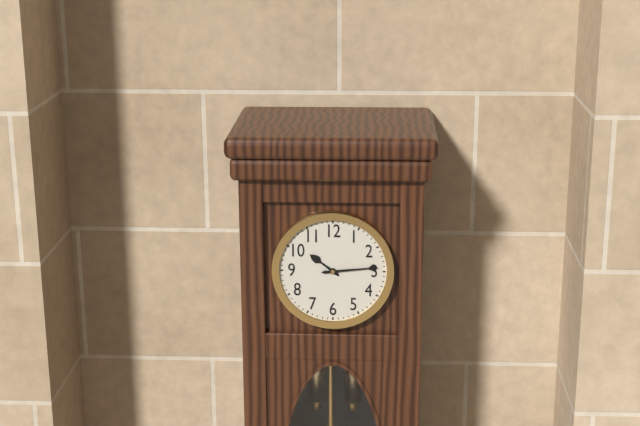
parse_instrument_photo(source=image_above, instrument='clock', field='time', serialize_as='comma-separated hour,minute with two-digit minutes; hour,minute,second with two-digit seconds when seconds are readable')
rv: 10,14
